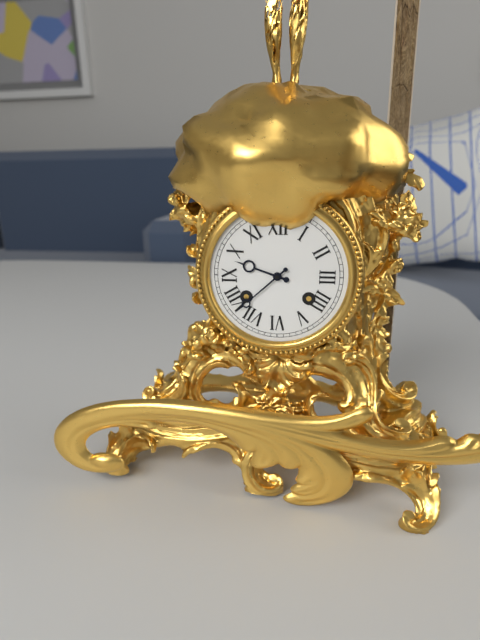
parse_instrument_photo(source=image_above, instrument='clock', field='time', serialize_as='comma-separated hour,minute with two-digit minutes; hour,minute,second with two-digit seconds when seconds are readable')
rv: 9,38
